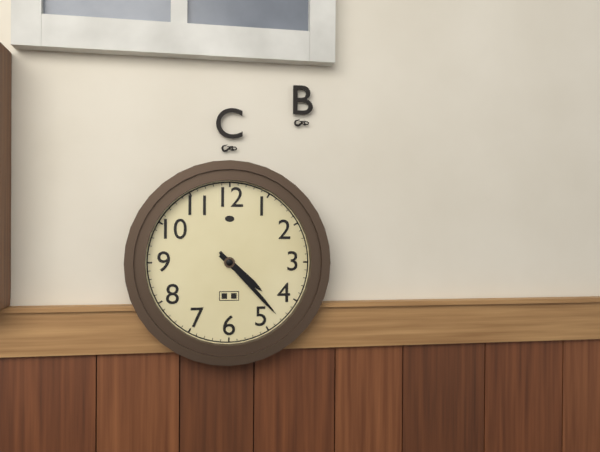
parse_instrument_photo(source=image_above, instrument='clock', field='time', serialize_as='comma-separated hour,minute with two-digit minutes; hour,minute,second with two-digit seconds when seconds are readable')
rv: 4,23
